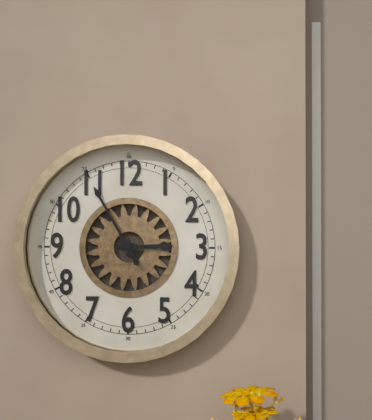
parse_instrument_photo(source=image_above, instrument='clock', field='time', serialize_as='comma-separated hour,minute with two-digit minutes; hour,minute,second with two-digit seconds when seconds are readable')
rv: 2,55
